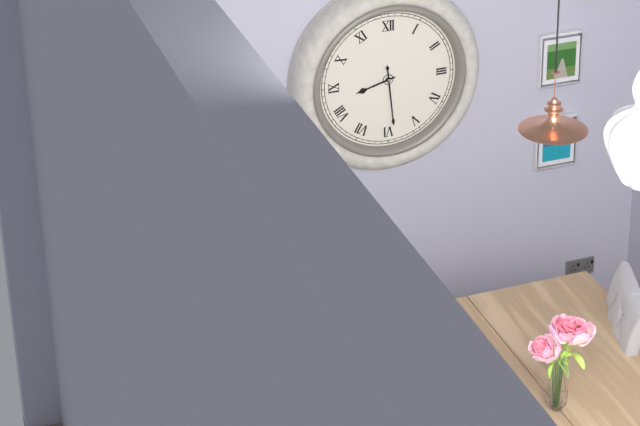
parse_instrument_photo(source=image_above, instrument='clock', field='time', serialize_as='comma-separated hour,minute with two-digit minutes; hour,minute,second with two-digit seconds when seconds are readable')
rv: 8,29
